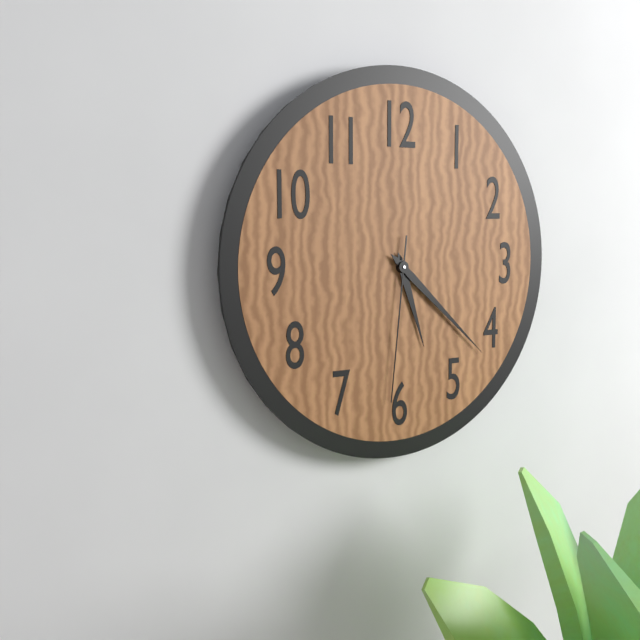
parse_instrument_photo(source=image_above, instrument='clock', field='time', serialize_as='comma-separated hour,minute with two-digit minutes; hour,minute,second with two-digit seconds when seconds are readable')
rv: 5,22,31
